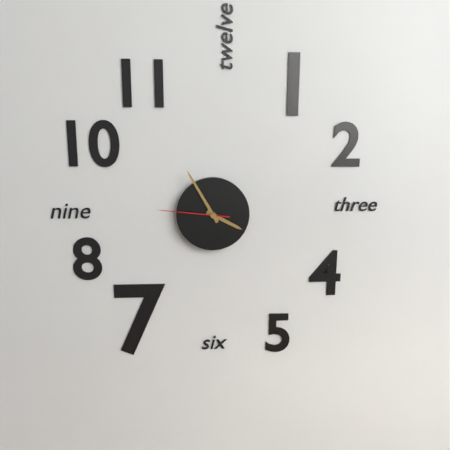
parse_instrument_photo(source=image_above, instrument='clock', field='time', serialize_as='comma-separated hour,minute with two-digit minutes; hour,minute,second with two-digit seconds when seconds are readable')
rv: 3,55,46
